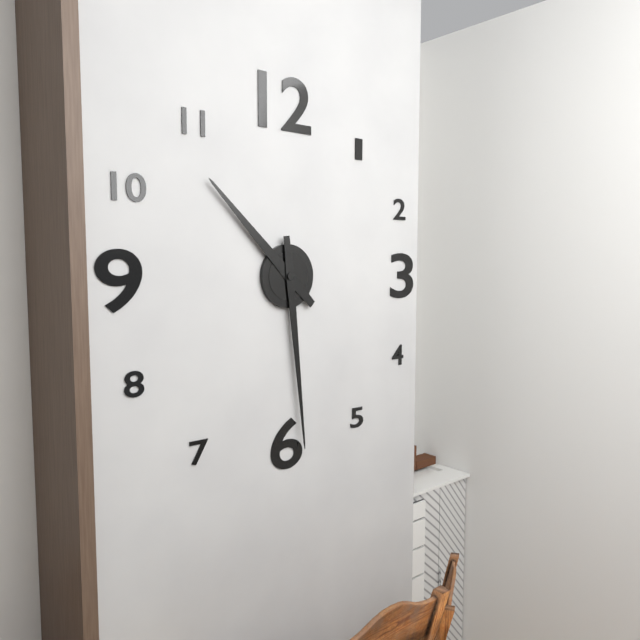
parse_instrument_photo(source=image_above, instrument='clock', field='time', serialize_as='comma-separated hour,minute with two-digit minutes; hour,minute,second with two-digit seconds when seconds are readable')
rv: 10,29
